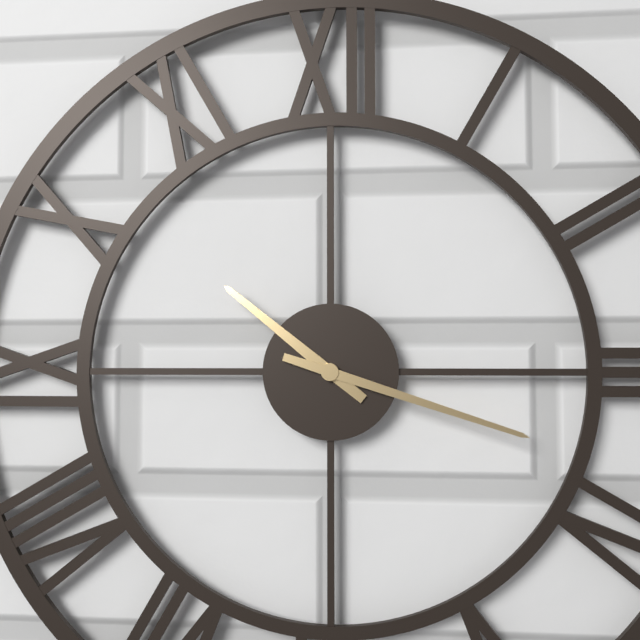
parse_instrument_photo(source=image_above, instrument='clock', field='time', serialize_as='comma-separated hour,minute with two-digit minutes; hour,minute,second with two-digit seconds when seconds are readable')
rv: 10,18
